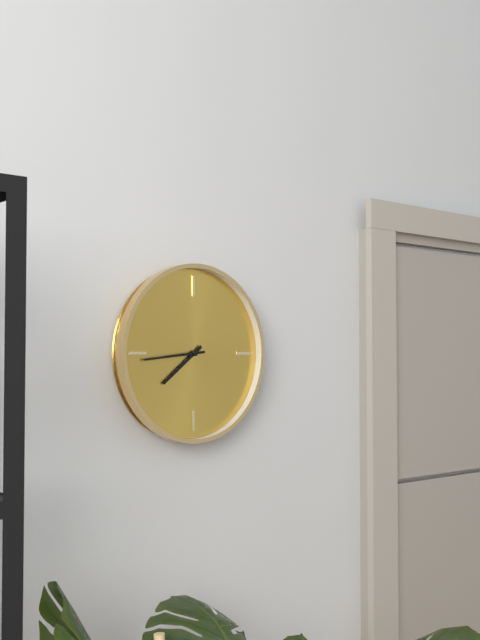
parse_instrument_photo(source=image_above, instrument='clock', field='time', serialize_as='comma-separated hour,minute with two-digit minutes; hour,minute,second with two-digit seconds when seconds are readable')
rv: 7,44
